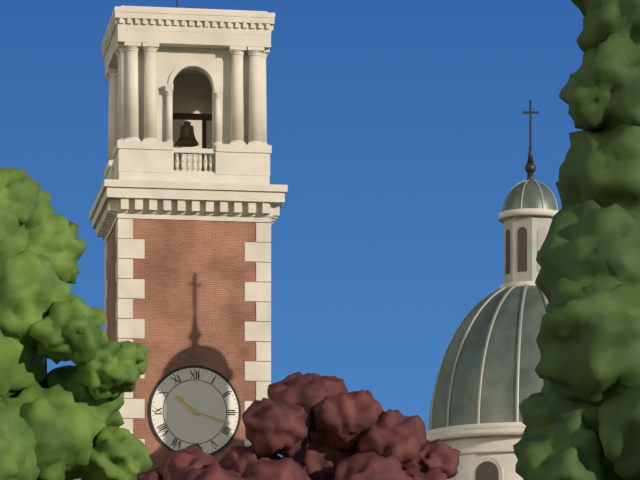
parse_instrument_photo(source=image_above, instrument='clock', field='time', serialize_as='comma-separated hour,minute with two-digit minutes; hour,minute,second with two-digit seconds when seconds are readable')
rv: 10,18
